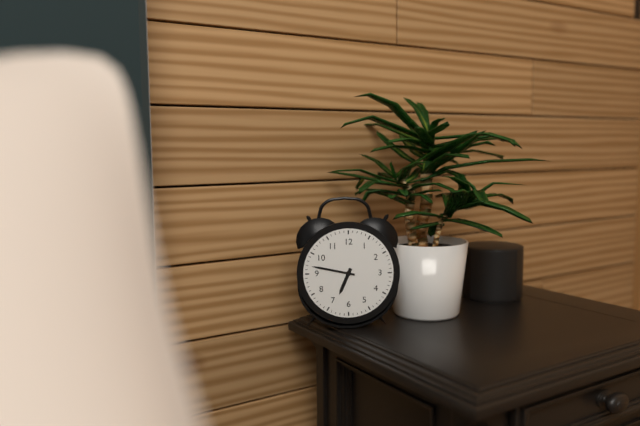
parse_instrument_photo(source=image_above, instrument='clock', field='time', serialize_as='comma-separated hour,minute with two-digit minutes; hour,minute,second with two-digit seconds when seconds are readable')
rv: 6,47
